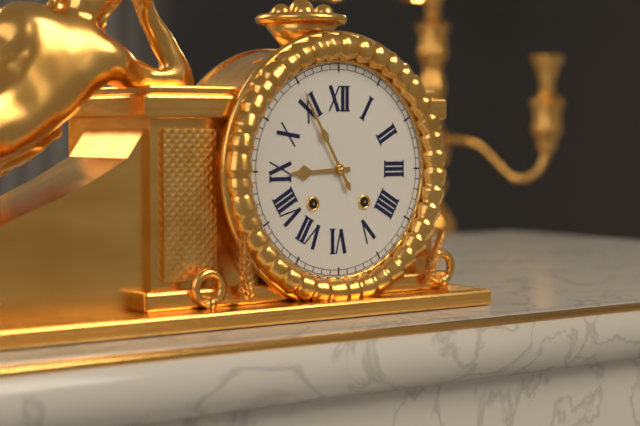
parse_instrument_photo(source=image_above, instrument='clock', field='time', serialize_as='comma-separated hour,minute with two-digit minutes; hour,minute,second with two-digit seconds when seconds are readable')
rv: 8,55
